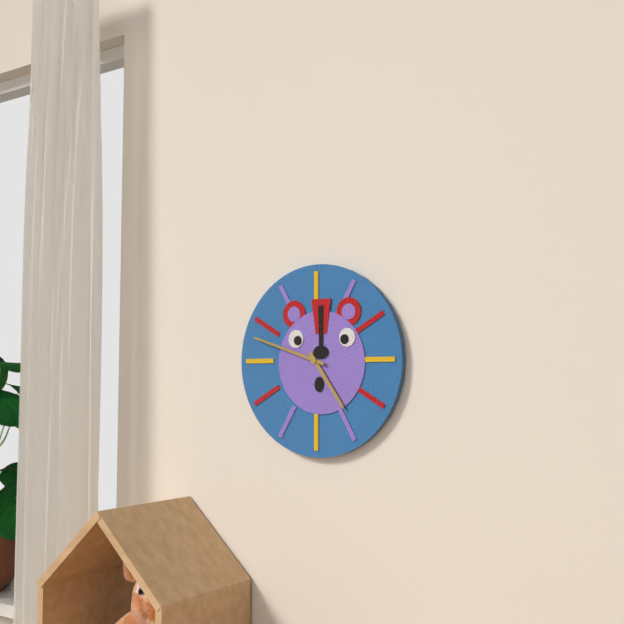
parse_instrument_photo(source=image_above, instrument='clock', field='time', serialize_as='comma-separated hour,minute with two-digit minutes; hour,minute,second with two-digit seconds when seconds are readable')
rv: 4,48
